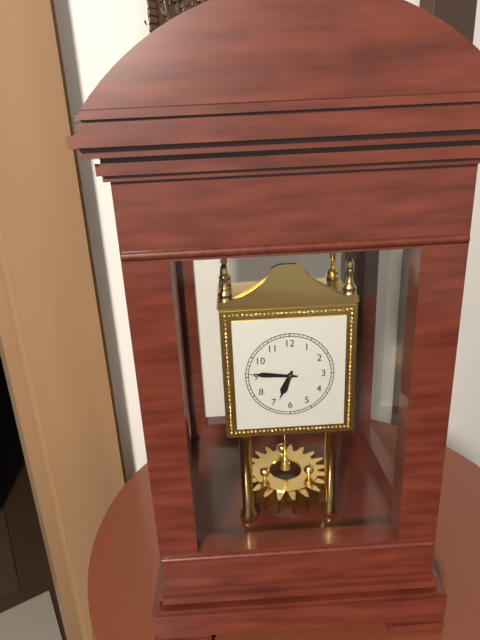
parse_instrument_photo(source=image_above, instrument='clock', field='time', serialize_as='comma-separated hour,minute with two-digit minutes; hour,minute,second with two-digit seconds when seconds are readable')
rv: 6,46
